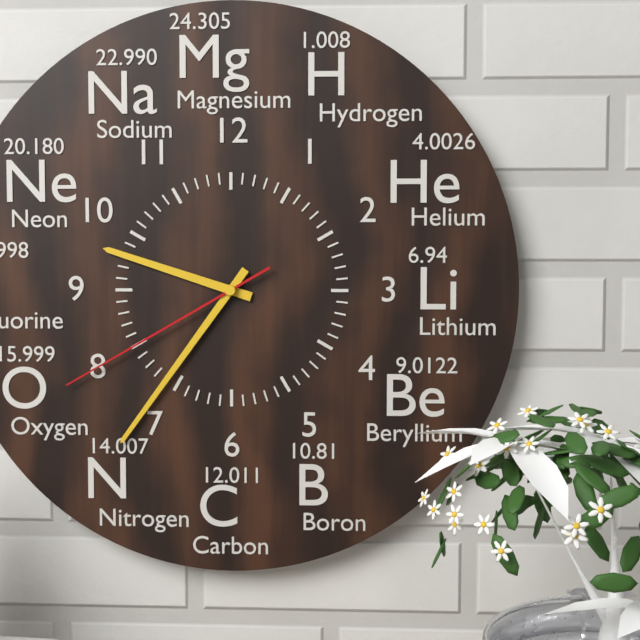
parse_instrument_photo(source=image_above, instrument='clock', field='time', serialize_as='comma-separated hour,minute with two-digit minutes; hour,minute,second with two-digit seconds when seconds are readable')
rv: 9,36,40
